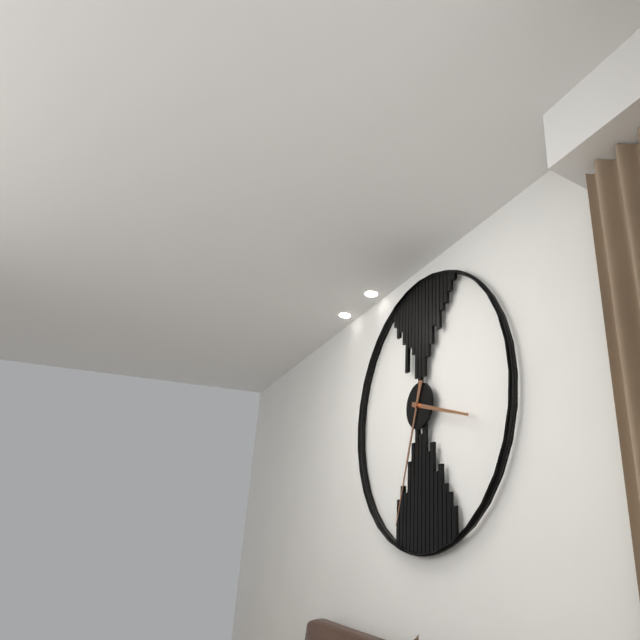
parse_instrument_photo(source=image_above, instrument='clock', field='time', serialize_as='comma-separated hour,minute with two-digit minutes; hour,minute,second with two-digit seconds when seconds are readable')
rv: 3,33
